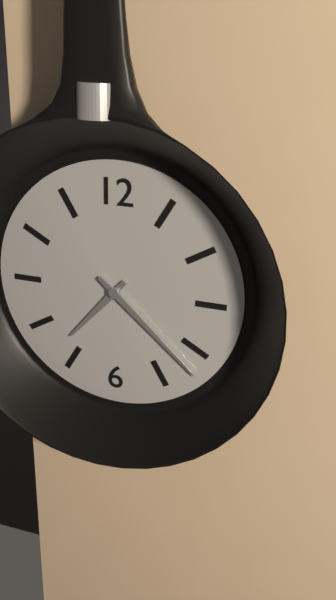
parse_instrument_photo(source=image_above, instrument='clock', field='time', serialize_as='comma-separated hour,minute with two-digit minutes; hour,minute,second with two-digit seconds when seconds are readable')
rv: 7,22
